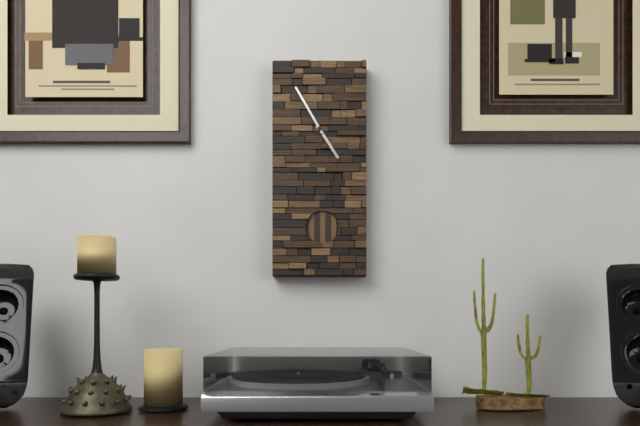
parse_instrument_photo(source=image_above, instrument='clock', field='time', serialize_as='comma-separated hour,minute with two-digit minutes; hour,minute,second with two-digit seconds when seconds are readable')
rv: 4,55
